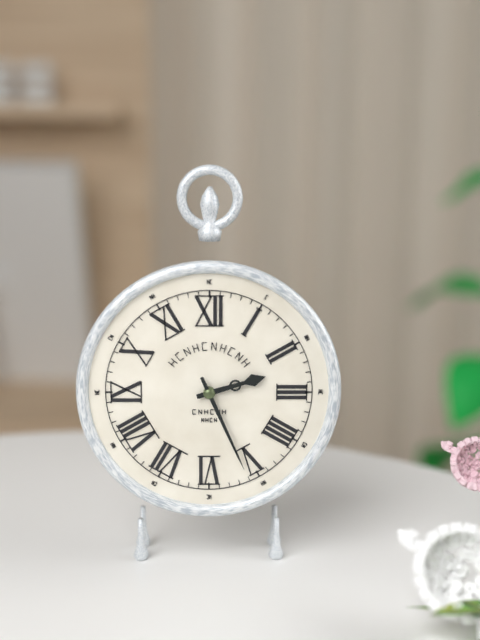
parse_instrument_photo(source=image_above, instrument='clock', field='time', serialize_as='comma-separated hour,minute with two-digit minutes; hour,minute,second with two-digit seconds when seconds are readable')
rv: 2,26
